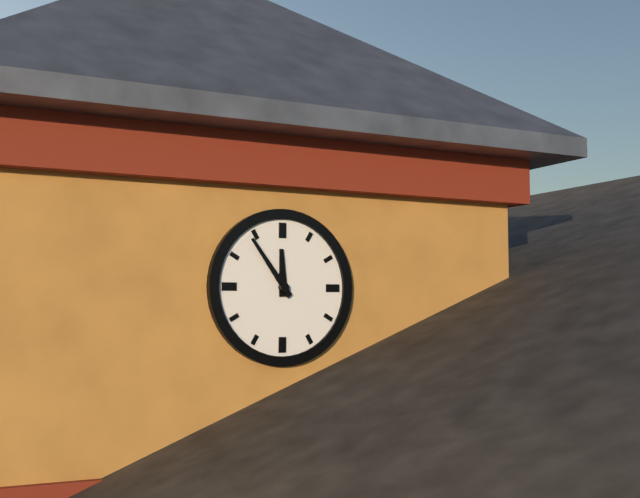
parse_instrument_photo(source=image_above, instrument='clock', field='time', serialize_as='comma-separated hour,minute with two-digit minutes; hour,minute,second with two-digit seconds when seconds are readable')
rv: 11,54
